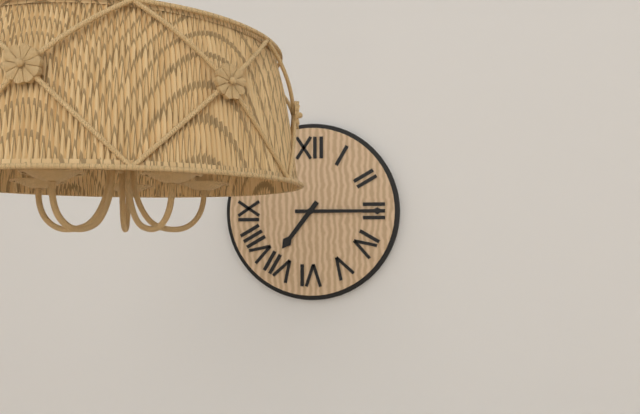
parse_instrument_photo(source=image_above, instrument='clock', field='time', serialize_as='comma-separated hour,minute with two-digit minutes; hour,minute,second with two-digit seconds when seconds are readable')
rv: 7,15
